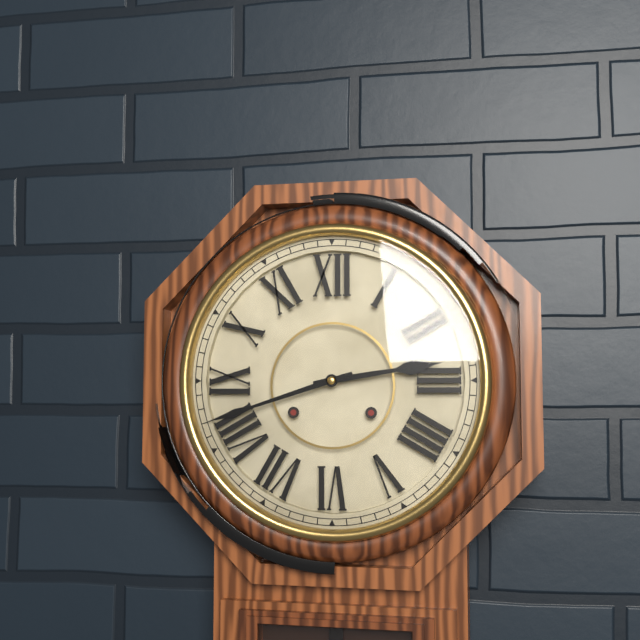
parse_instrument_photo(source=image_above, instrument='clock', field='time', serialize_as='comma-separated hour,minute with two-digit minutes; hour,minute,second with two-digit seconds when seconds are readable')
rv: 2,42
